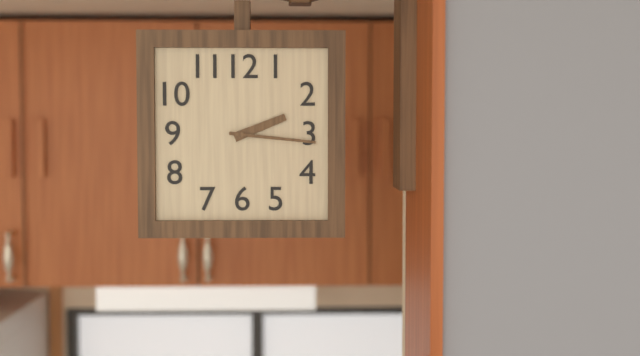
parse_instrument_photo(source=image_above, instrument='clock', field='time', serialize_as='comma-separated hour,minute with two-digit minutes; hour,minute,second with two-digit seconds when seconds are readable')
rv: 2,16
